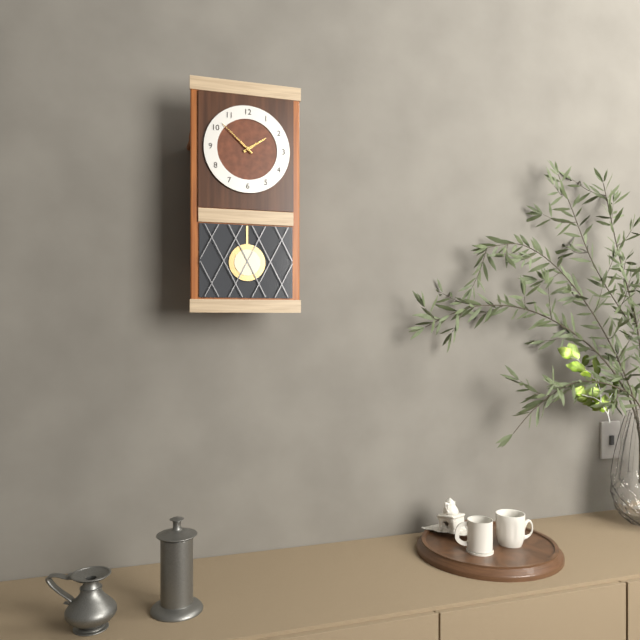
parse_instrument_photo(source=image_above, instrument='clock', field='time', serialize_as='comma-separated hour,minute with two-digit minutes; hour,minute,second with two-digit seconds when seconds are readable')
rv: 1,52
